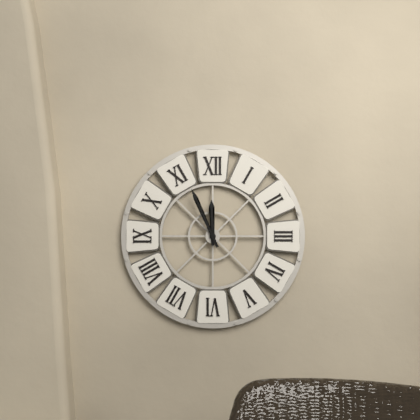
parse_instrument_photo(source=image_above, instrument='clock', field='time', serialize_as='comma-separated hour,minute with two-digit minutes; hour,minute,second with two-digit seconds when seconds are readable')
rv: 11,56
